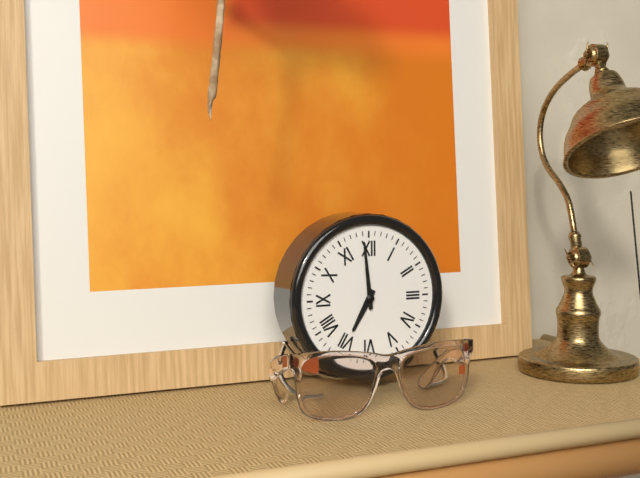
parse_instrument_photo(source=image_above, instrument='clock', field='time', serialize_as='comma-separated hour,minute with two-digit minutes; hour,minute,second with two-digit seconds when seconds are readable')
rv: 6,59
